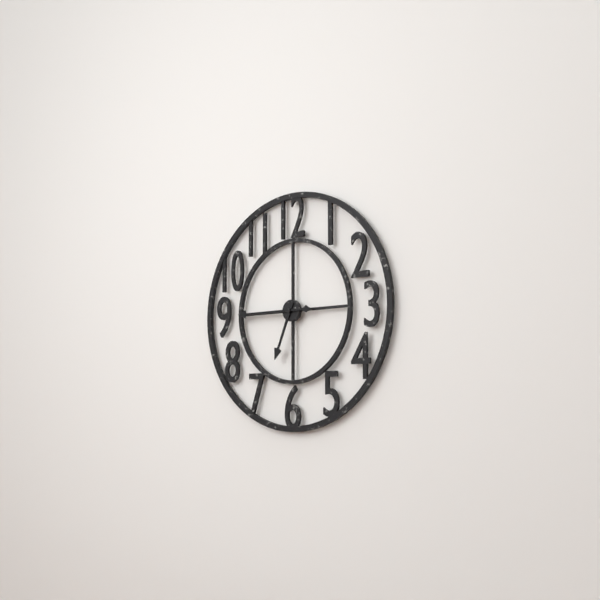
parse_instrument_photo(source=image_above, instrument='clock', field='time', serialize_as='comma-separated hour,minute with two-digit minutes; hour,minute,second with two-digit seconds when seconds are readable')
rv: 6,45
